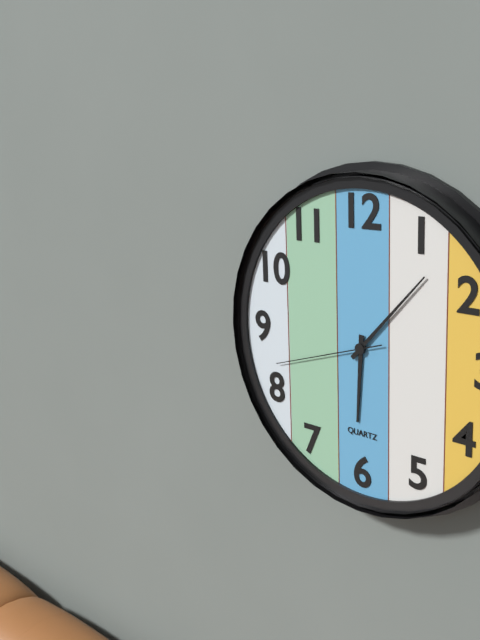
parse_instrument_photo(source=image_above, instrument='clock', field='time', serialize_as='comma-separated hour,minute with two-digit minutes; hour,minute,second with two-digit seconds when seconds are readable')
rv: 6,07,42
